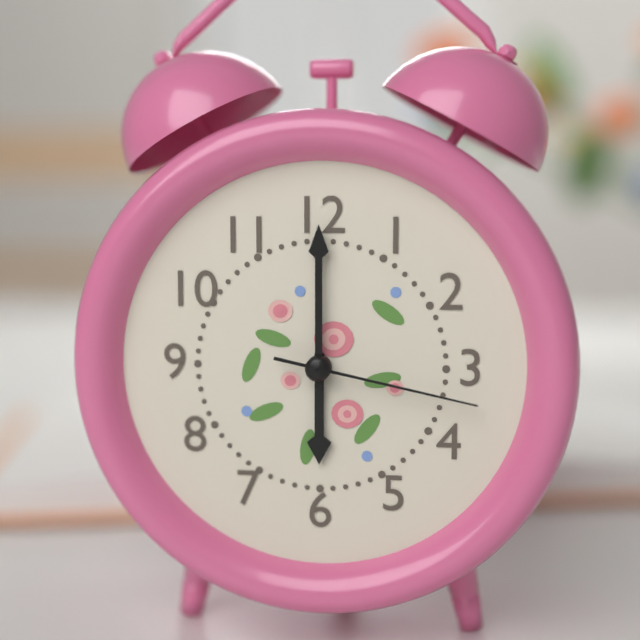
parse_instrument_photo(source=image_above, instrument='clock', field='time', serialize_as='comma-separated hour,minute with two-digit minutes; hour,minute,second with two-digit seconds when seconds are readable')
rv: 6,00,17
